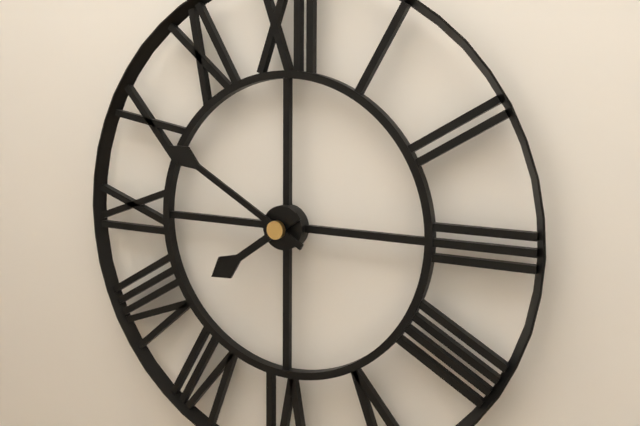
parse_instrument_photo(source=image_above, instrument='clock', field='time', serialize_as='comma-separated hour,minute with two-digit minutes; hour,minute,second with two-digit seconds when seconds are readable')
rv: 7,50
